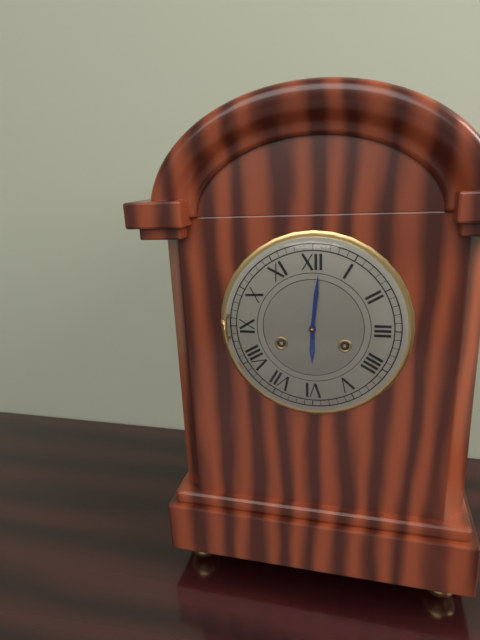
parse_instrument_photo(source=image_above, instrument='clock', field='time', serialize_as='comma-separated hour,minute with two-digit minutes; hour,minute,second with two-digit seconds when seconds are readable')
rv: 6,01
